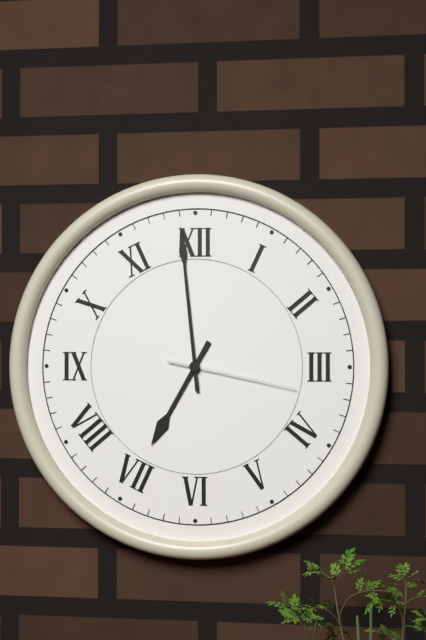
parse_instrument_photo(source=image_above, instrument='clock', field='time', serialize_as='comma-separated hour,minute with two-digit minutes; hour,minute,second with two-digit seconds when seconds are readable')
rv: 6,59,17
